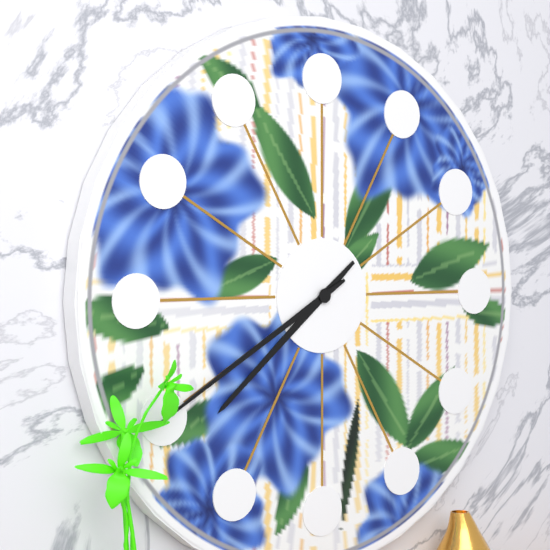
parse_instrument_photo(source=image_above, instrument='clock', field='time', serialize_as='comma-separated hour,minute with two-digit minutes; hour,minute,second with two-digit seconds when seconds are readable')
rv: 7,40
